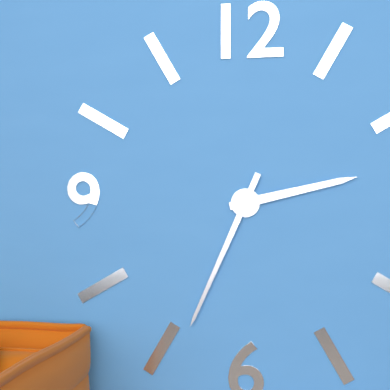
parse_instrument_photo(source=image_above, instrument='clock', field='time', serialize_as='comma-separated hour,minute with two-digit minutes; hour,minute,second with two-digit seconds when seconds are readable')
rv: 2,34
